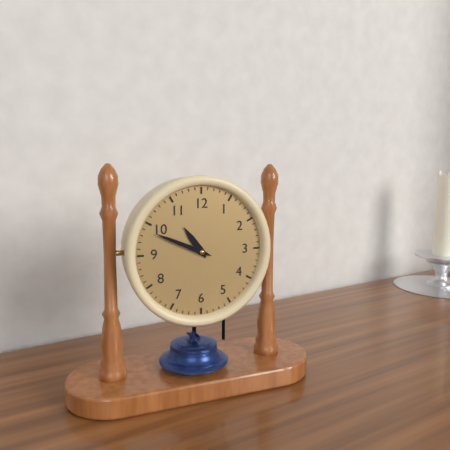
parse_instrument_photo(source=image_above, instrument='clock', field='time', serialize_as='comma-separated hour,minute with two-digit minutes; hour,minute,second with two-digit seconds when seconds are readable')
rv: 10,49
